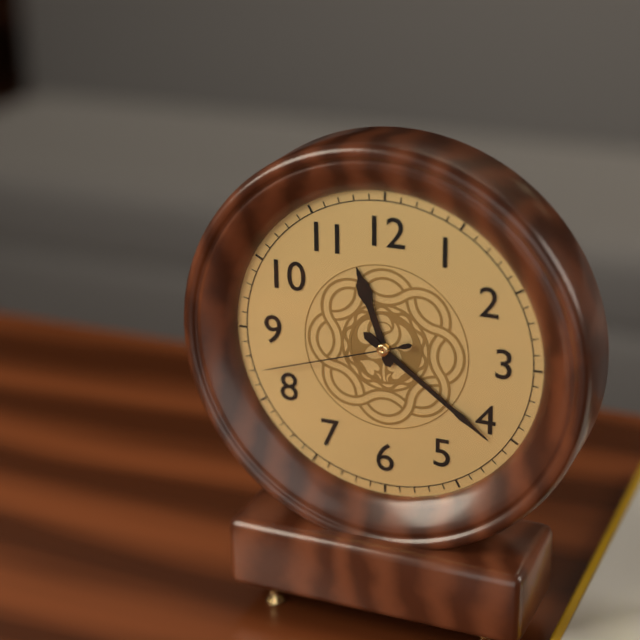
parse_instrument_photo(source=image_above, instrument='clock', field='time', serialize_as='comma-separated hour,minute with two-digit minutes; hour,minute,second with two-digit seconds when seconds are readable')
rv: 11,21,42
